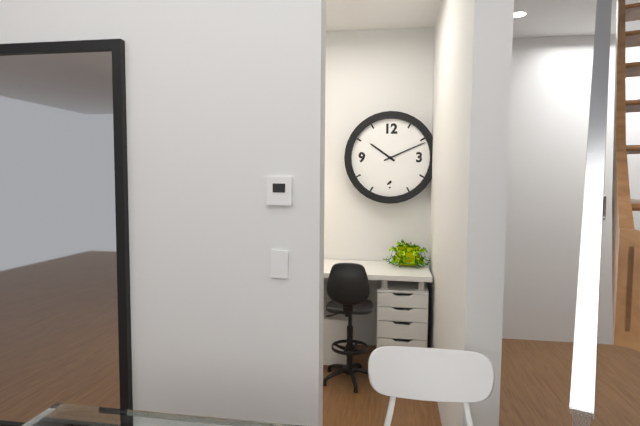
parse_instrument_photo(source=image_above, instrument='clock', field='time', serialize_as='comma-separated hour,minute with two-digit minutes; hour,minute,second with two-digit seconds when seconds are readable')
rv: 10,11
